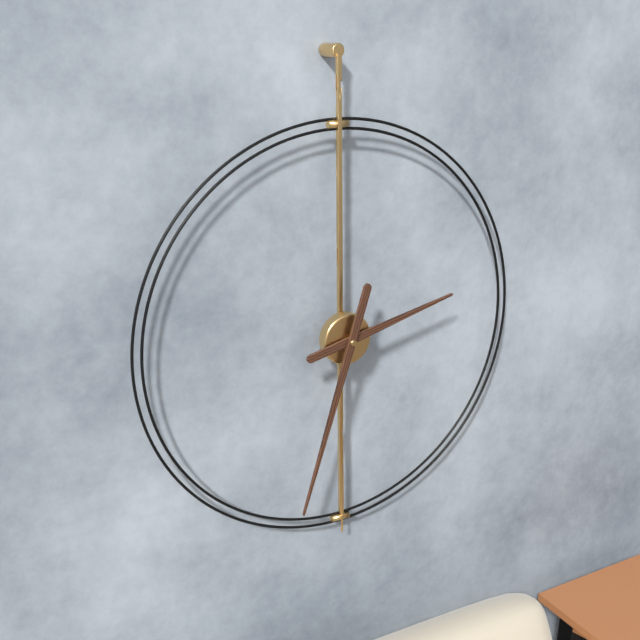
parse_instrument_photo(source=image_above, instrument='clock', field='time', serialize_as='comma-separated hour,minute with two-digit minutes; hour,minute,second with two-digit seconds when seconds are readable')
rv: 2,33
